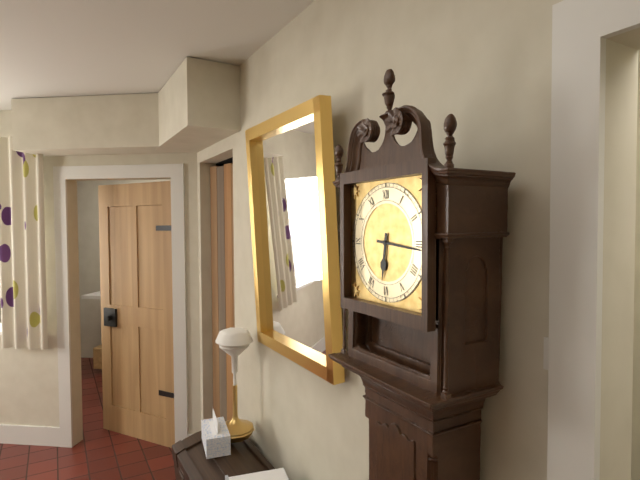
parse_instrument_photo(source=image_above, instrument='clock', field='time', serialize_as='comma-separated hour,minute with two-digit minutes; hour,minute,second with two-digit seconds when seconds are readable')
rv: 6,16
